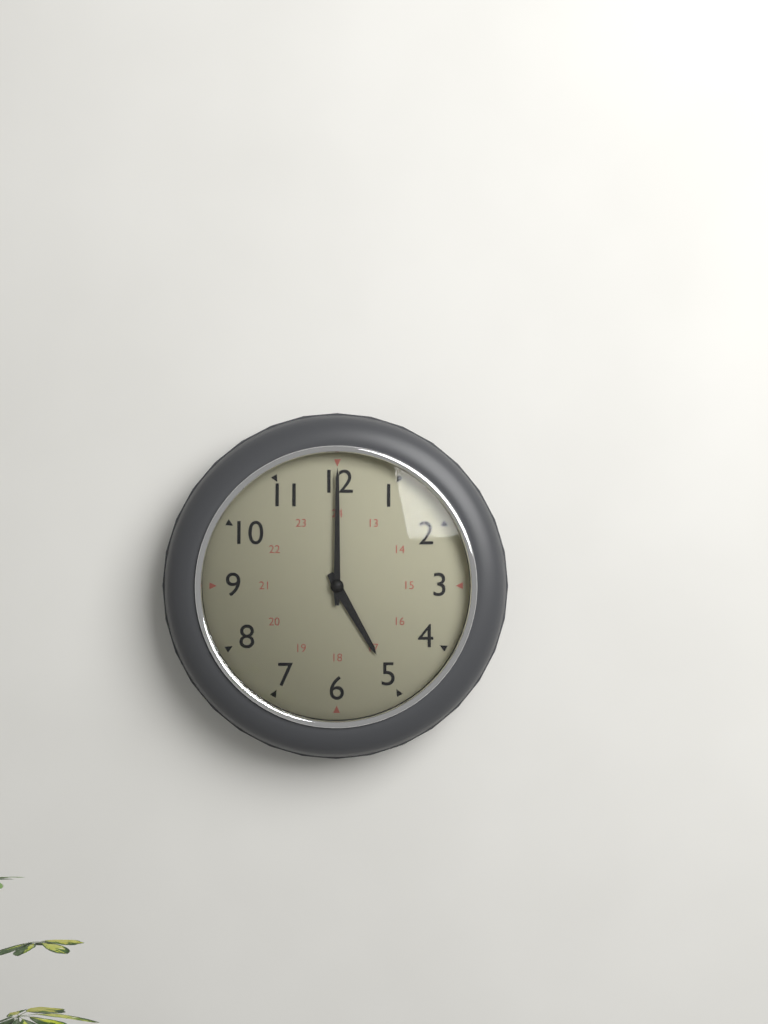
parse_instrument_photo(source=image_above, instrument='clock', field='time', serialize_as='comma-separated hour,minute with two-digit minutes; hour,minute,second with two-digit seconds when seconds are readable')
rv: 5,00
